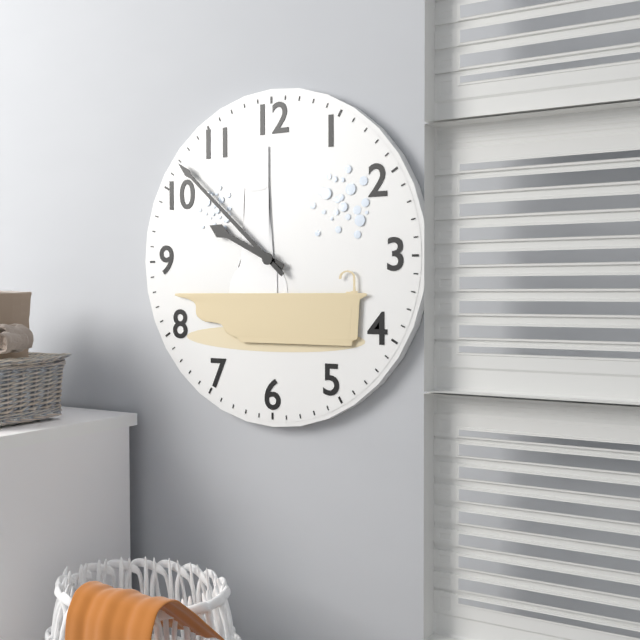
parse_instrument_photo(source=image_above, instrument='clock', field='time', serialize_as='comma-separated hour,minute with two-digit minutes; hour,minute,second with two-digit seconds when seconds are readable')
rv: 9,52
